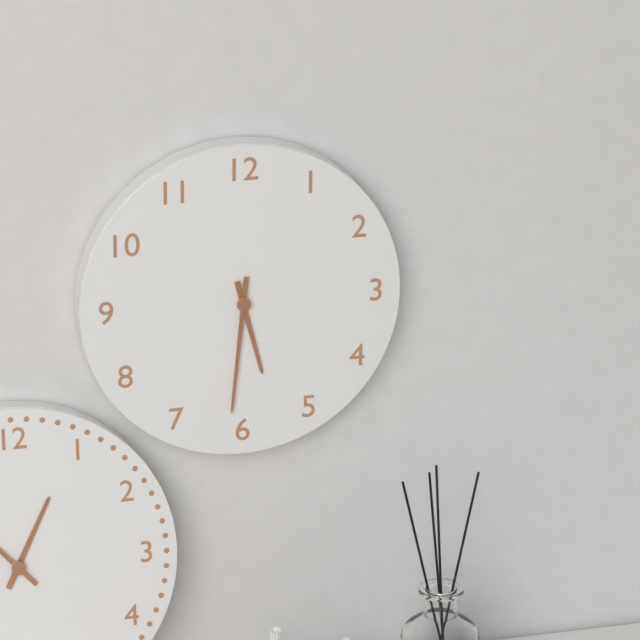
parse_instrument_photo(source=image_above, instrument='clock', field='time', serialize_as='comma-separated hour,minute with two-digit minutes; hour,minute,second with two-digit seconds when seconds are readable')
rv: 5,31
